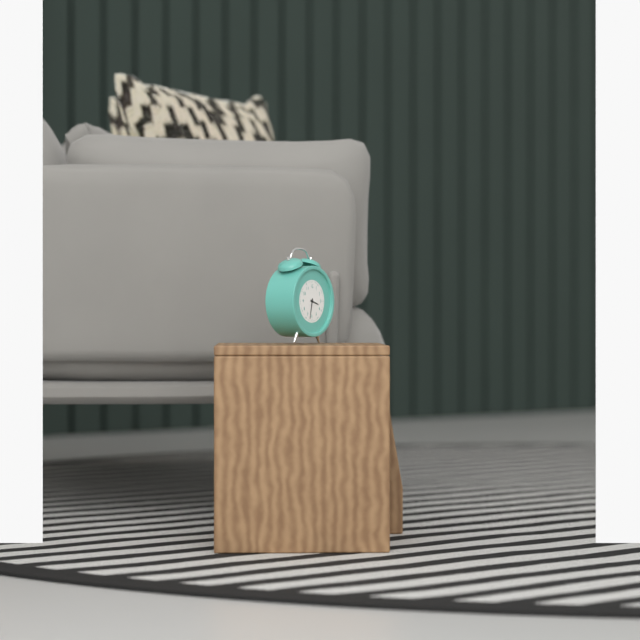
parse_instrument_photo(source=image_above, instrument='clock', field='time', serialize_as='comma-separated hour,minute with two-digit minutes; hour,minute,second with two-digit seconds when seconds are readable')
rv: 3,32
